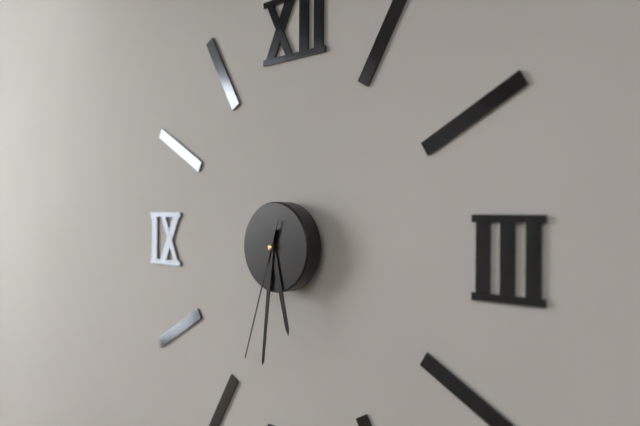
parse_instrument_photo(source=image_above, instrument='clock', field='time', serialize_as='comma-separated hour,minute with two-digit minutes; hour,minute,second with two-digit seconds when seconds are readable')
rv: 5,31,33
